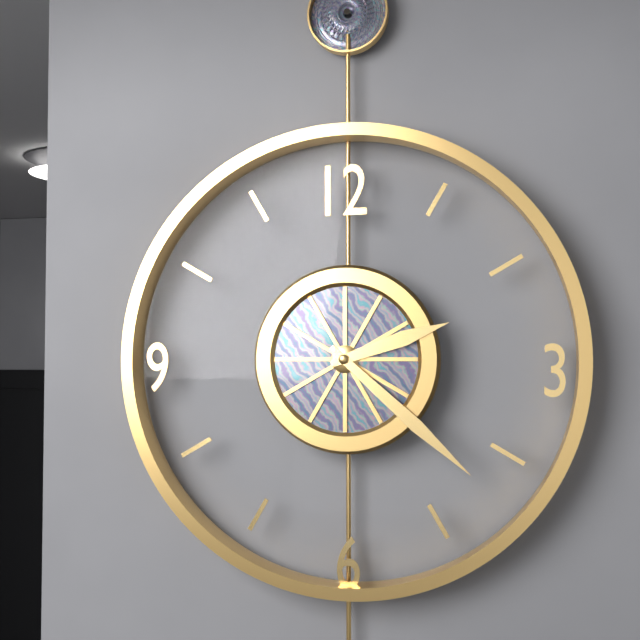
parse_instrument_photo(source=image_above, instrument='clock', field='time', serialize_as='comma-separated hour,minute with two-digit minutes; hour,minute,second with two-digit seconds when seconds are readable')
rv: 2,22
